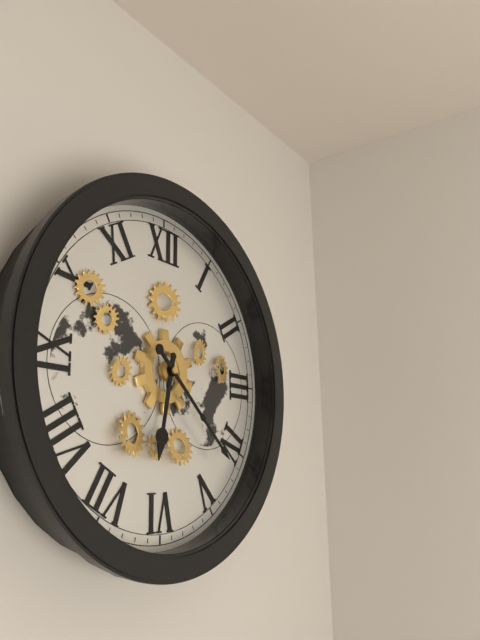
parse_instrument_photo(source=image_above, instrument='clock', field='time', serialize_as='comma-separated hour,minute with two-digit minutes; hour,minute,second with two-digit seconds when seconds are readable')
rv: 6,22
